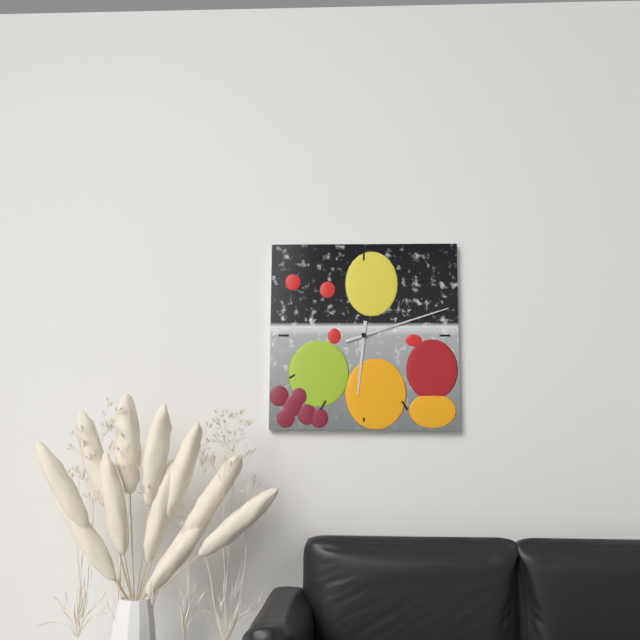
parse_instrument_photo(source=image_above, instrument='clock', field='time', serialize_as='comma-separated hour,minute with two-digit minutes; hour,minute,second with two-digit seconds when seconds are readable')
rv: 6,12
